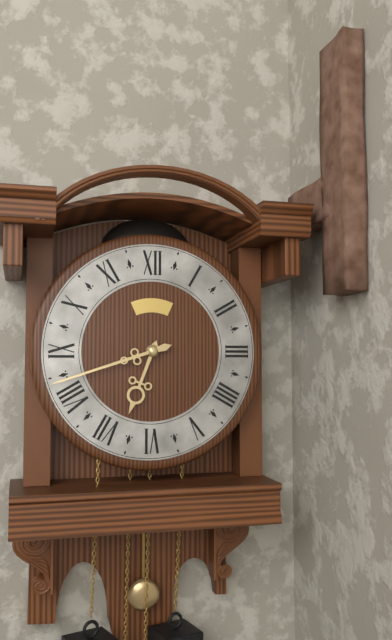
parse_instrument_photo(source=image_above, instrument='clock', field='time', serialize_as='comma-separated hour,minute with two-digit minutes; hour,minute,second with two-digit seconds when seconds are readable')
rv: 6,42
